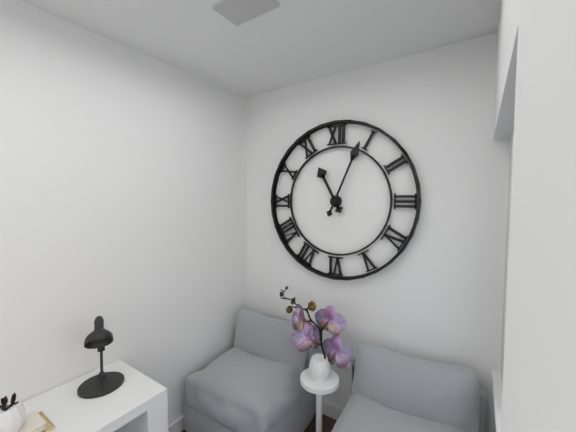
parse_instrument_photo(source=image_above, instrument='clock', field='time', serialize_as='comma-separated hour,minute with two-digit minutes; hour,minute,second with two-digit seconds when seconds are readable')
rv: 11,04
